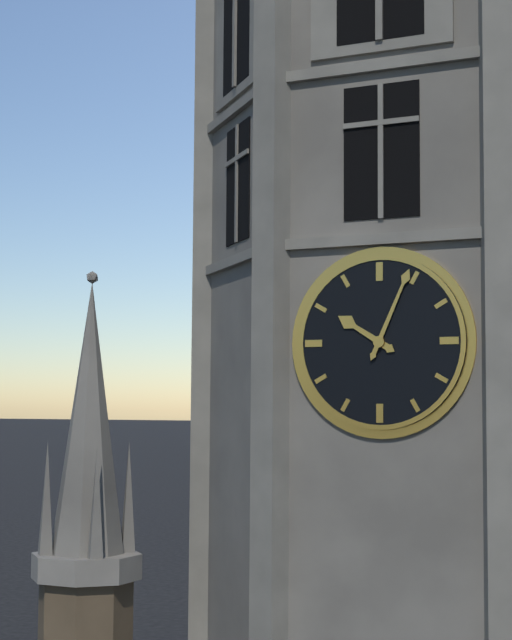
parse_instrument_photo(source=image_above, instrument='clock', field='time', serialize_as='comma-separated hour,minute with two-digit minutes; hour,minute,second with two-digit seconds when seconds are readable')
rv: 10,04
